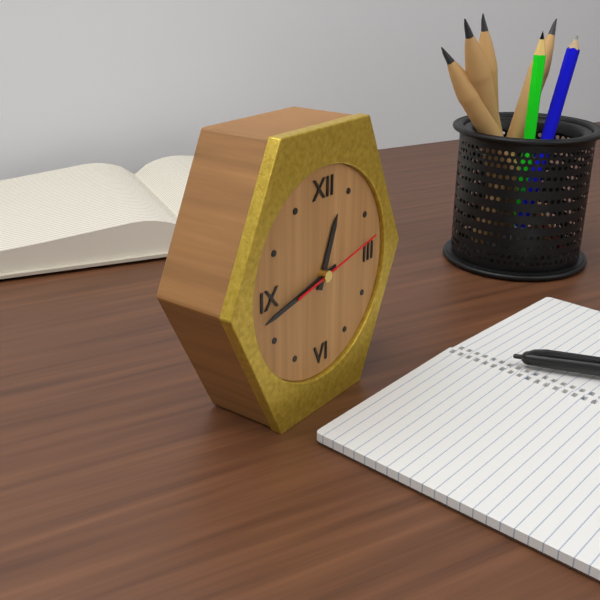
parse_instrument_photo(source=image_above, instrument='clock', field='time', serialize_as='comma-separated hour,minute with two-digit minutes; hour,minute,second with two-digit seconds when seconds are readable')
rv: 12,43,13
